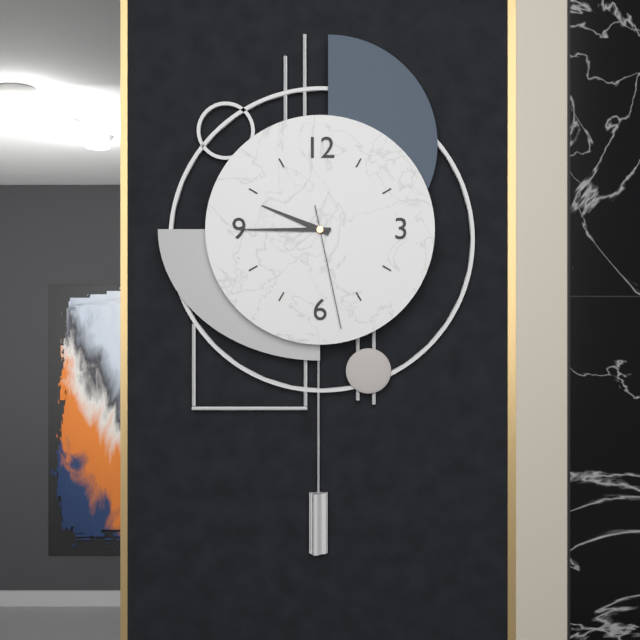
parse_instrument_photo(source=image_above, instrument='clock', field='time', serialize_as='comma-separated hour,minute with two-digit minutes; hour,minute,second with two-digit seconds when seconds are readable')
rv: 9,45,28
